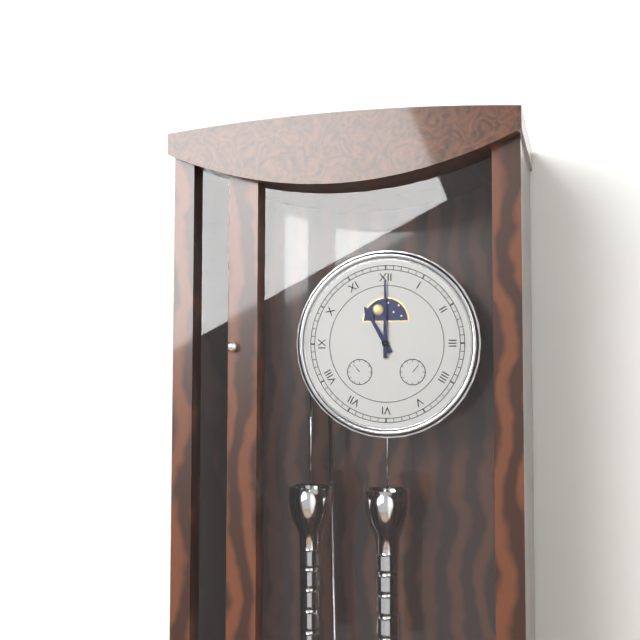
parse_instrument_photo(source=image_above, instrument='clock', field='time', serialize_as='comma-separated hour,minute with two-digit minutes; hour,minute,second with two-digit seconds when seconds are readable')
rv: 11,00
